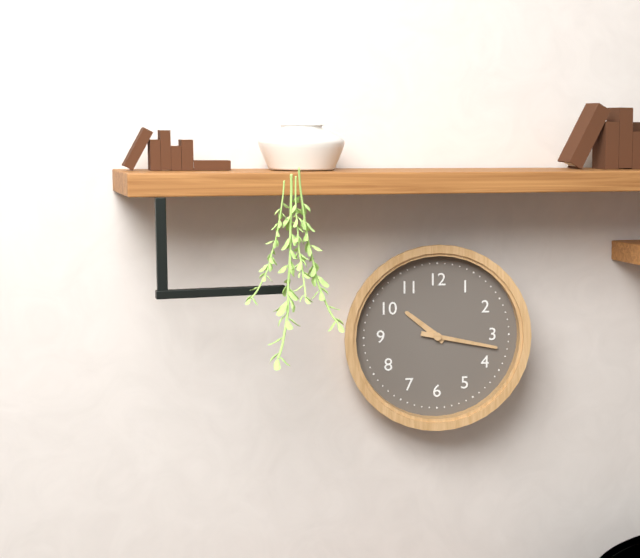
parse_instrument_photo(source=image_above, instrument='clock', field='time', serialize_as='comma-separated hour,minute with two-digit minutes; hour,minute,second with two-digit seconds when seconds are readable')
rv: 10,17
